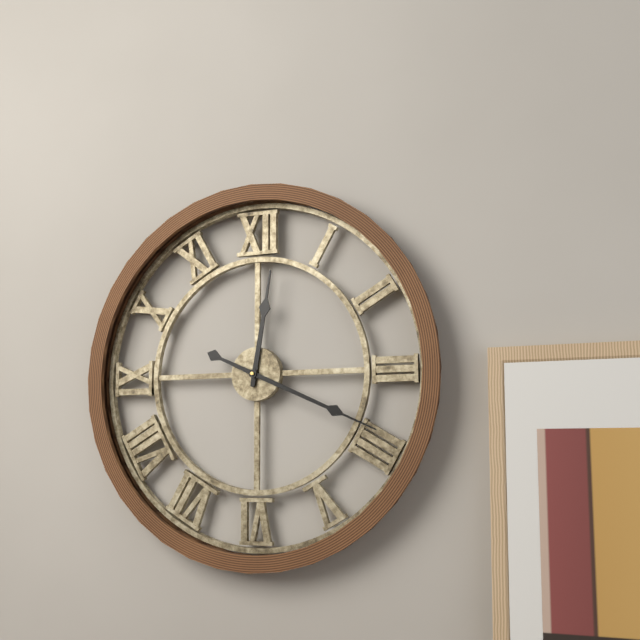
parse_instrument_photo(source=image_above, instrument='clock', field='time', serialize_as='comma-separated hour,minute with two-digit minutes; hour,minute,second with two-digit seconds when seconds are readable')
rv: 12,19
